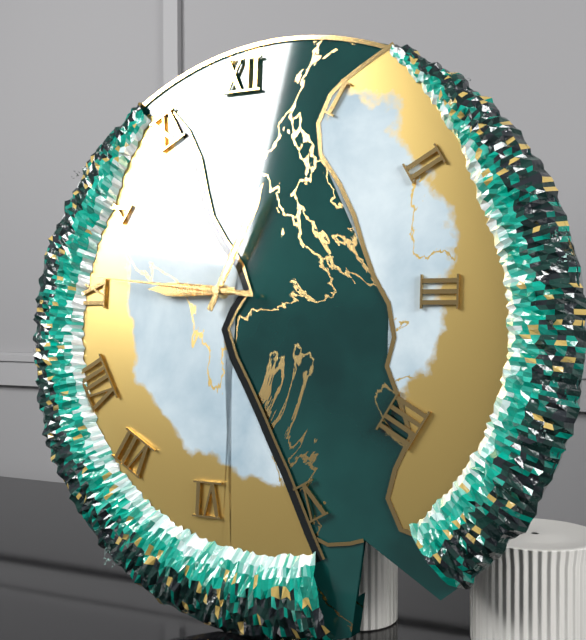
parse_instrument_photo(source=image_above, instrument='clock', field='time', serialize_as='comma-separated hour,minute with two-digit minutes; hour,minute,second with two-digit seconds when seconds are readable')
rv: 9,04,46
